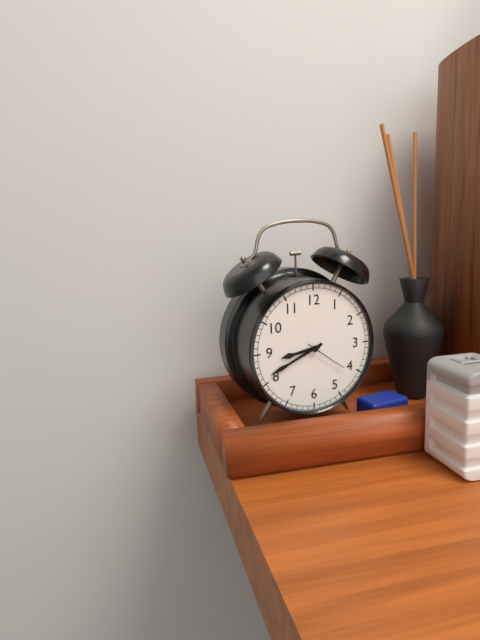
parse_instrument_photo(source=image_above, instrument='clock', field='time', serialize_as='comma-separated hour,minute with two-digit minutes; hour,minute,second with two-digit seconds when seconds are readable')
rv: 8,41
